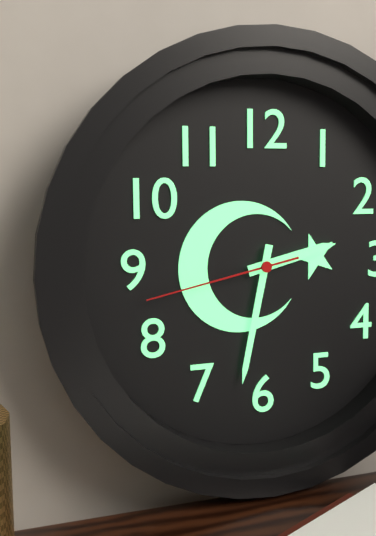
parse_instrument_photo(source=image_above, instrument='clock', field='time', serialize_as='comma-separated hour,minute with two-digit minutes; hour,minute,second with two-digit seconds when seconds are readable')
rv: 2,32,43
